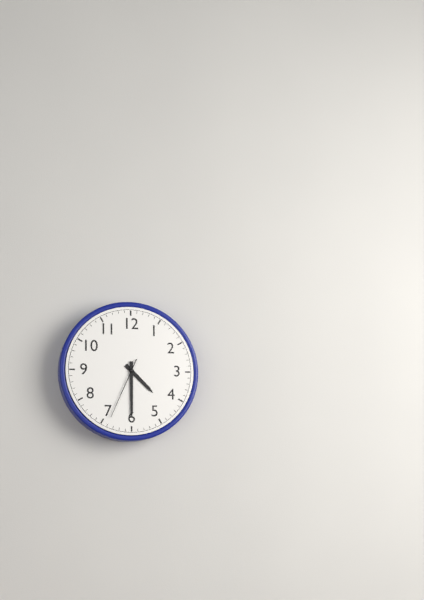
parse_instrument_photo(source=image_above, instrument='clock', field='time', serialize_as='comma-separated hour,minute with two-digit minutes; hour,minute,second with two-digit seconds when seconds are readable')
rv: 4,30,34
